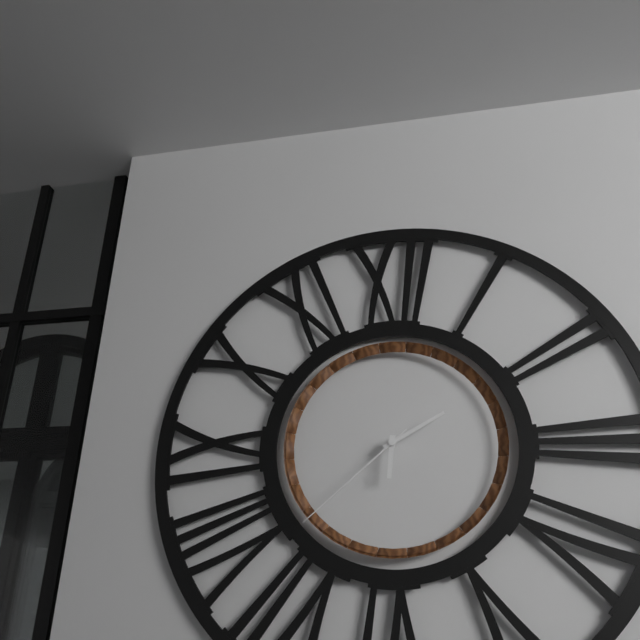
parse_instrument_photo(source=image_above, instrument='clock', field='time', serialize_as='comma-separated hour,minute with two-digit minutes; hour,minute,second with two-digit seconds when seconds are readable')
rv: 6,10,38
